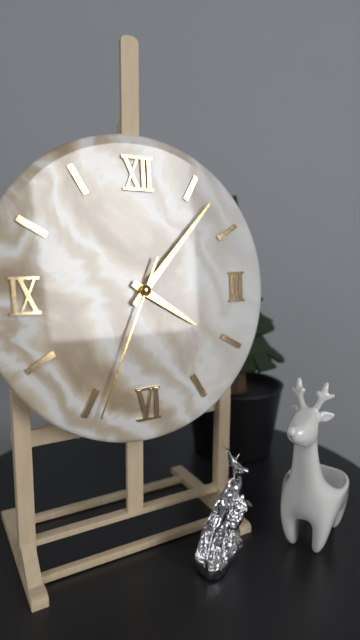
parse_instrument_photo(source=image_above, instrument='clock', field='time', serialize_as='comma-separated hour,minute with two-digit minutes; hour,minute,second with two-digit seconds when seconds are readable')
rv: 4,07,34
